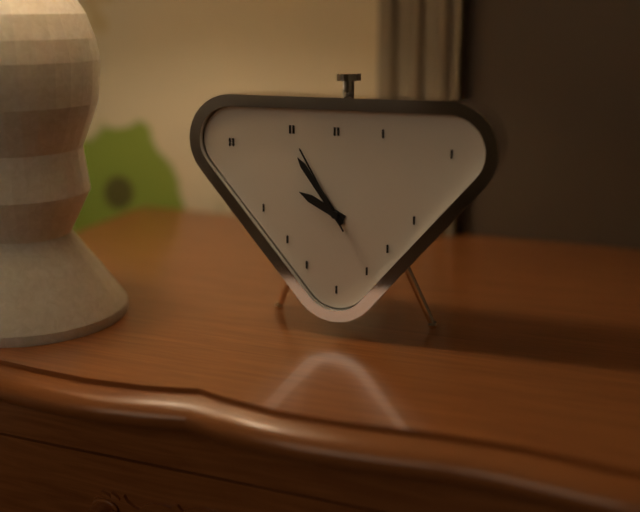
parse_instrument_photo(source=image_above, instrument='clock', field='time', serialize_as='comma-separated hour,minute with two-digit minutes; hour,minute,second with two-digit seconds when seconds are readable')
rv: 9,54,55
